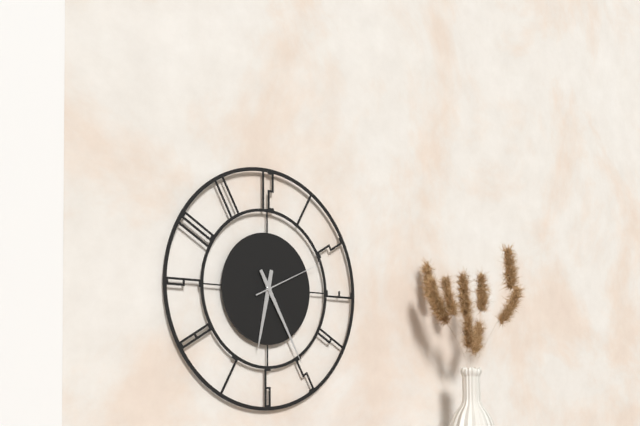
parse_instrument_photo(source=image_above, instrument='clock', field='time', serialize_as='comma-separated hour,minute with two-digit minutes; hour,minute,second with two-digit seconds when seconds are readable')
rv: 6,25,11
